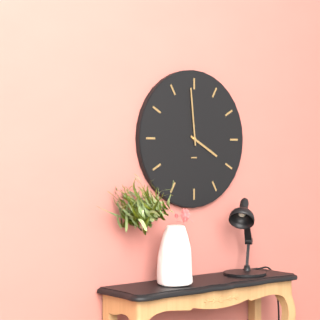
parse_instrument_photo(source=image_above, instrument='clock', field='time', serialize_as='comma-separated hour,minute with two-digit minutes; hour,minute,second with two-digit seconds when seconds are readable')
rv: 3,59
